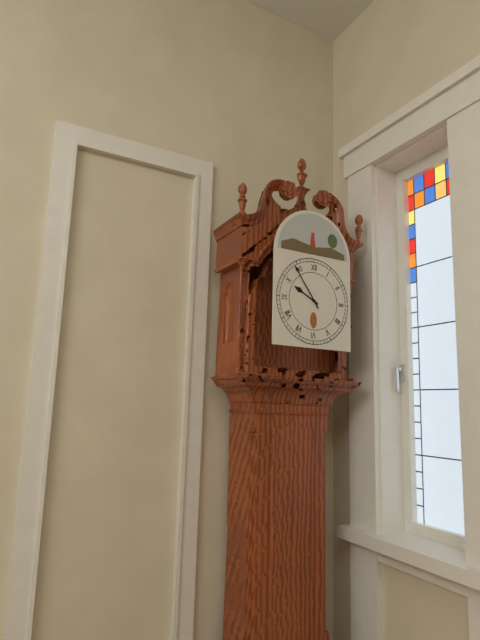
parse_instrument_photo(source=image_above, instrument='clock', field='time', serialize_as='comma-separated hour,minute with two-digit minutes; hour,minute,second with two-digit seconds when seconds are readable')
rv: 9,54
